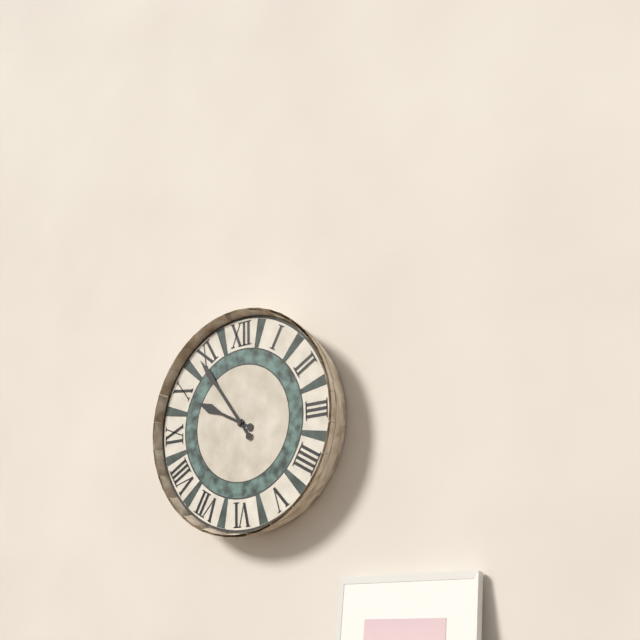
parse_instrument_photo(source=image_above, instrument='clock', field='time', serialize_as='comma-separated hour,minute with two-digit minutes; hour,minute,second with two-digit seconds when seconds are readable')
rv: 9,54
